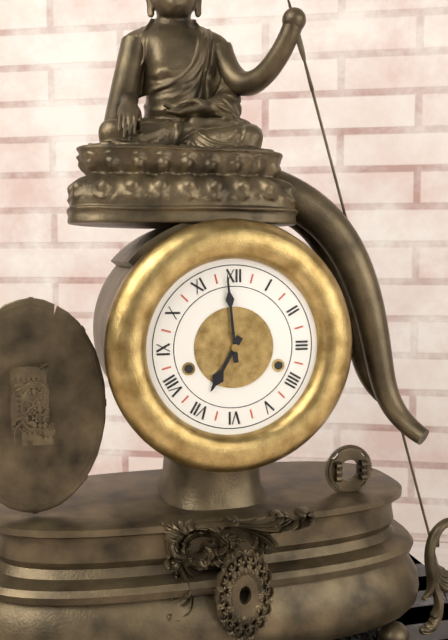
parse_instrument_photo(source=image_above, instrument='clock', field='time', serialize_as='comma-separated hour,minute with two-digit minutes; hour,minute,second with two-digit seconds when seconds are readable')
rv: 6,59
